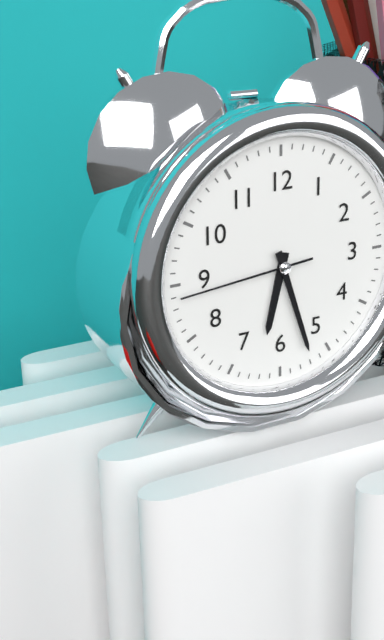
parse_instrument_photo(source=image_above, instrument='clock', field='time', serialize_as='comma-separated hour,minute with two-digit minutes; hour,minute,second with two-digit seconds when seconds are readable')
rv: 6,27,44
